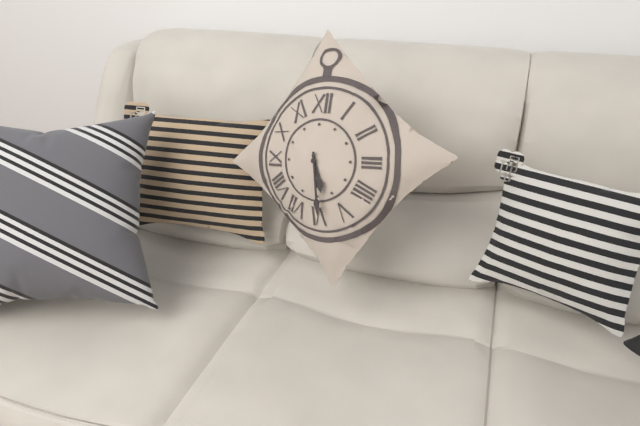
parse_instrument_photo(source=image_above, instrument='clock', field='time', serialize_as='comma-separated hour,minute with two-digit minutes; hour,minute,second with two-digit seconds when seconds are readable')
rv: 5,29
